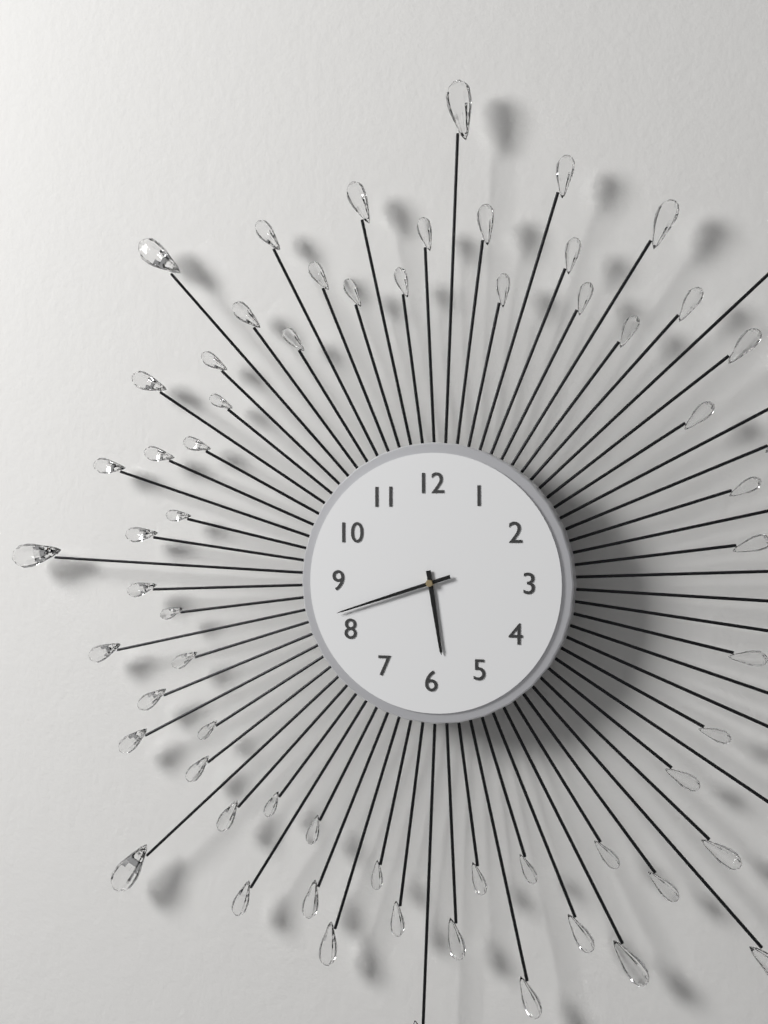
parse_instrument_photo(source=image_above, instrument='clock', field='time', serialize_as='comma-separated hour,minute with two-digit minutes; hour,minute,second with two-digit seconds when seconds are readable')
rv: 5,42
